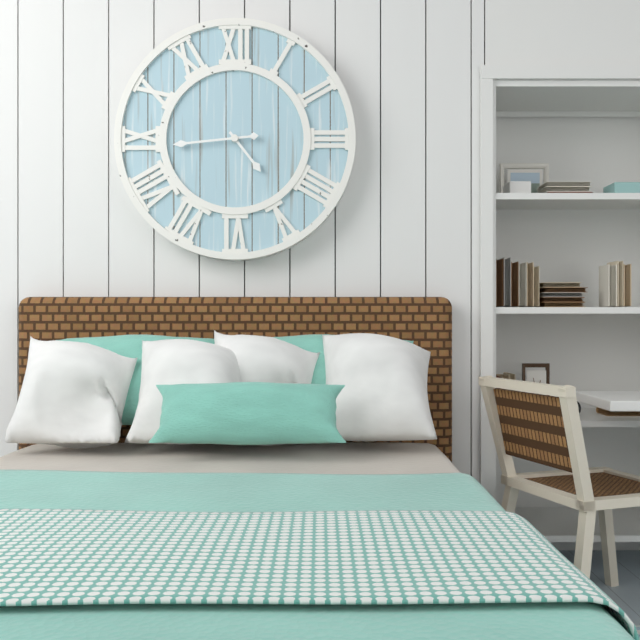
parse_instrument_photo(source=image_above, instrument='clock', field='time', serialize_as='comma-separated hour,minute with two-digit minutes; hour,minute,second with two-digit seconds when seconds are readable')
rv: 4,44
